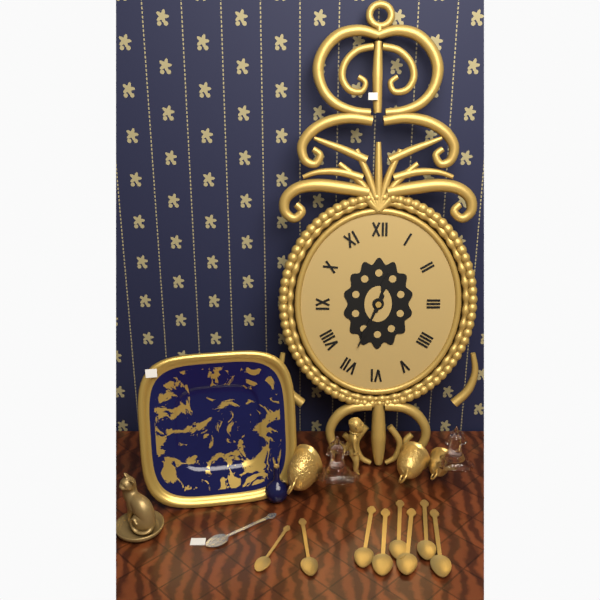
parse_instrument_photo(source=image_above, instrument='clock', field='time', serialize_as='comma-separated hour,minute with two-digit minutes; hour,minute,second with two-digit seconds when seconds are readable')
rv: 12,34
